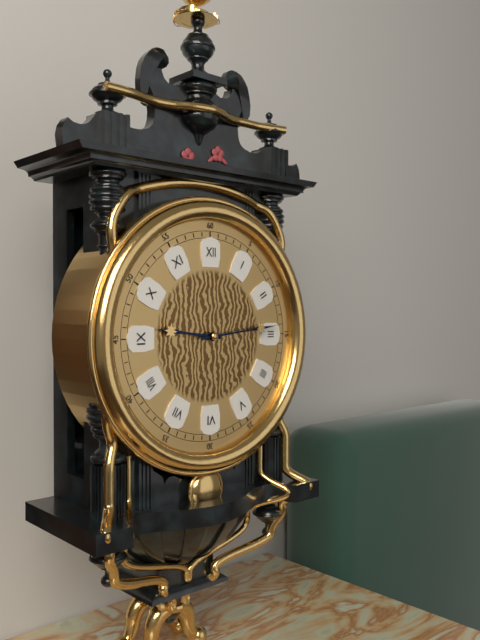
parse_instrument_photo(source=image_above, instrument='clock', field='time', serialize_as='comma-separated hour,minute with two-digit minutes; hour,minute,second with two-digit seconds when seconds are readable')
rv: 9,14
